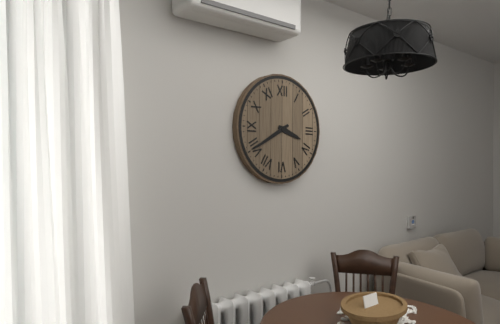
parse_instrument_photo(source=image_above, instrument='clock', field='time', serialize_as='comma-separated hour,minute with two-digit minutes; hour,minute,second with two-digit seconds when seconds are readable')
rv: 3,40
